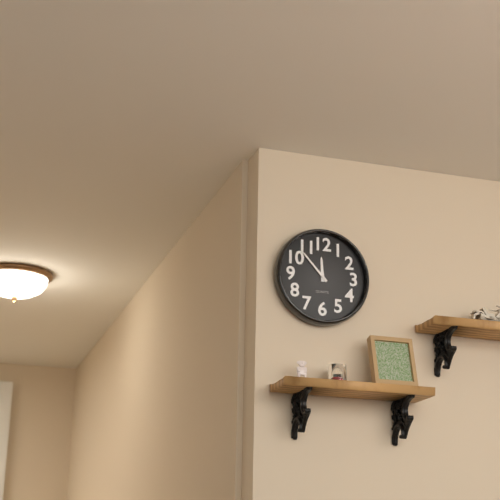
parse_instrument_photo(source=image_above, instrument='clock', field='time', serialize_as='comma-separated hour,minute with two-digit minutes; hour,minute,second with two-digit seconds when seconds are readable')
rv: 11,53
